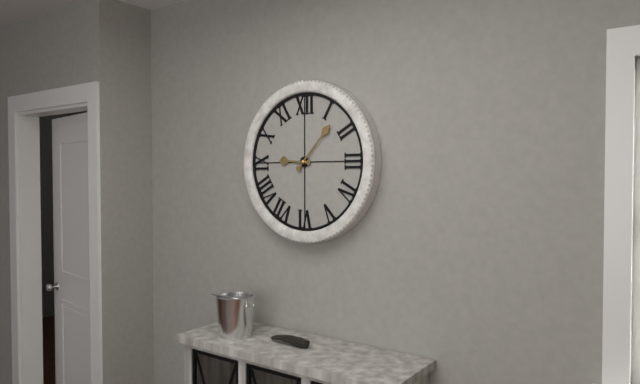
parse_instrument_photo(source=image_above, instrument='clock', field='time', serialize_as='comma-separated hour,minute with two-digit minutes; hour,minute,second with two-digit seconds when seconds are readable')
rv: 9,07
